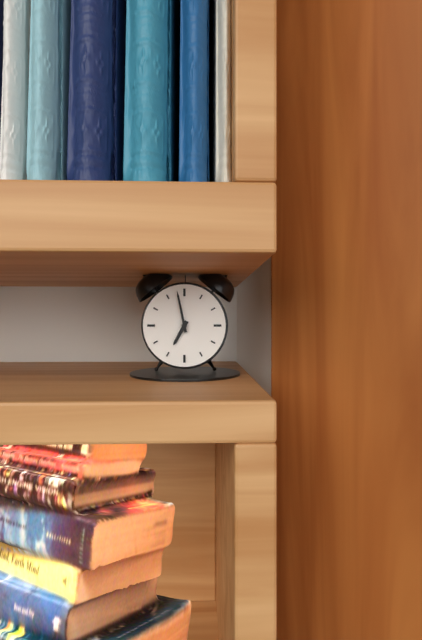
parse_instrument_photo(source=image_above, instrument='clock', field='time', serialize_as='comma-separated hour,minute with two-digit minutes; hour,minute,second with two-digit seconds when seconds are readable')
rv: 6,58
